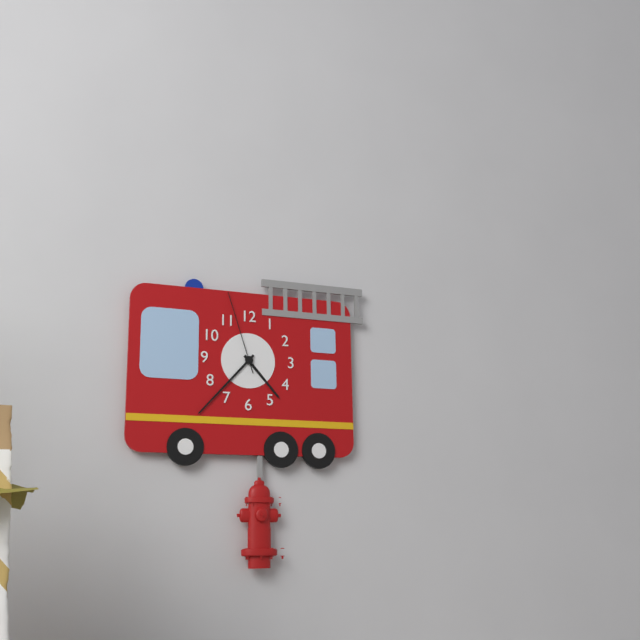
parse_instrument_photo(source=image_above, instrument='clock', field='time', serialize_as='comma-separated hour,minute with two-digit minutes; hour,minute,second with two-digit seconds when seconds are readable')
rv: 4,37,57
